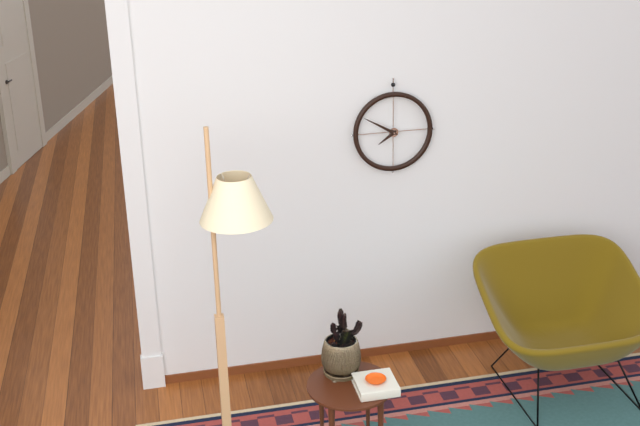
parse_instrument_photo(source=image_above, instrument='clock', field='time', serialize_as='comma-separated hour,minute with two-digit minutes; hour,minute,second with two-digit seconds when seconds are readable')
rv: 7,50
